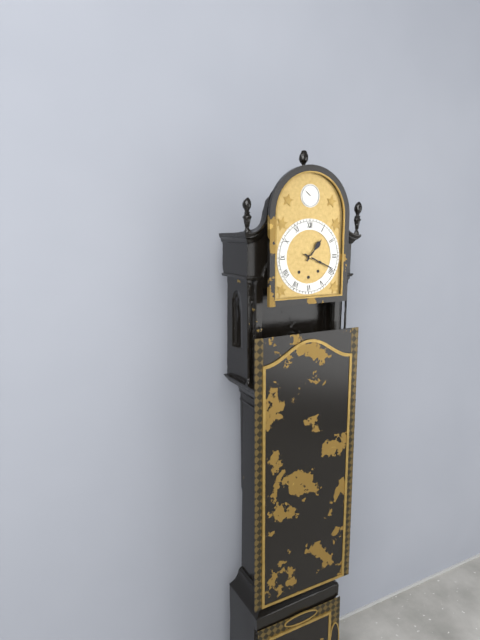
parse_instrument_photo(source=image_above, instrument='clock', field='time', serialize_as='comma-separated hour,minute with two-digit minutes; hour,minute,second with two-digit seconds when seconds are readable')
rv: 1,19
